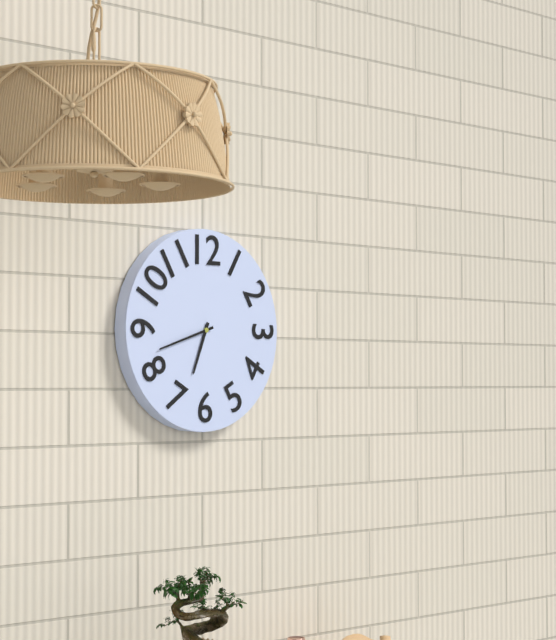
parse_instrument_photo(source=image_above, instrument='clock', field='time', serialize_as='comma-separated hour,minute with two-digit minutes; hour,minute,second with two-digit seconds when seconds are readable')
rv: 6,42
